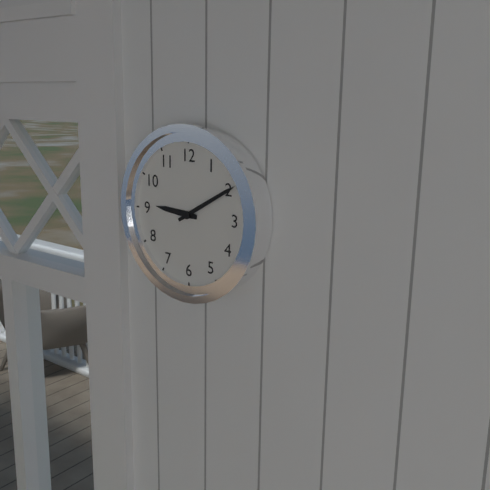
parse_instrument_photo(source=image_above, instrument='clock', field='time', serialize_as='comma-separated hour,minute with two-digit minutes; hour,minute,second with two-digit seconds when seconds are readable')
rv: 9,10
